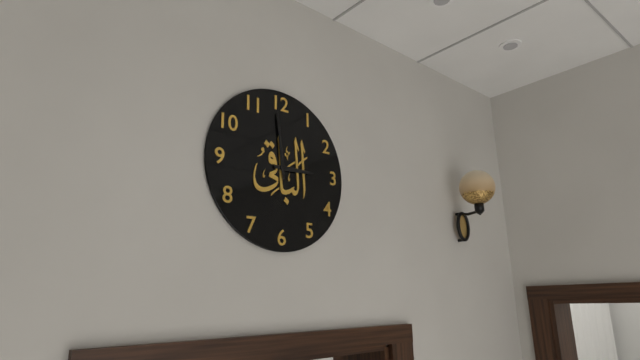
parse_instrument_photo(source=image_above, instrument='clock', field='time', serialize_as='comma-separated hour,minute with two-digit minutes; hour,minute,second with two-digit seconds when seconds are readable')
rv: 2,59
